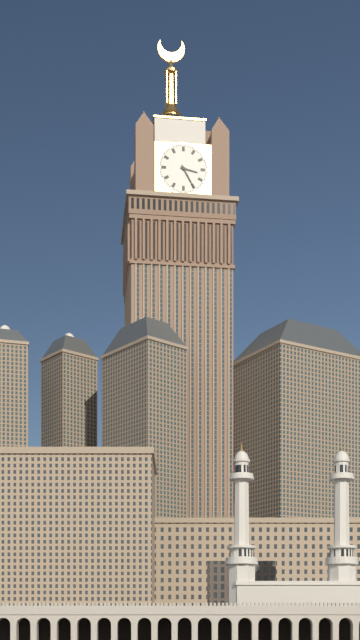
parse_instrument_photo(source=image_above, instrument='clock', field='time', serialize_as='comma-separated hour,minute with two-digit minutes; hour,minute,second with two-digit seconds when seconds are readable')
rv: 3,25
